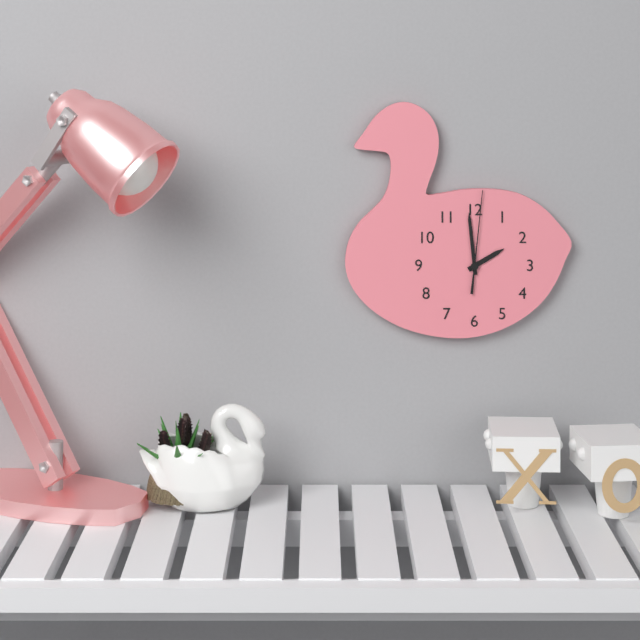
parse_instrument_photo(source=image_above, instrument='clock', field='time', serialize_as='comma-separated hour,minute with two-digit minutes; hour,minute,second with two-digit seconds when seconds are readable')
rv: 1,59,01
